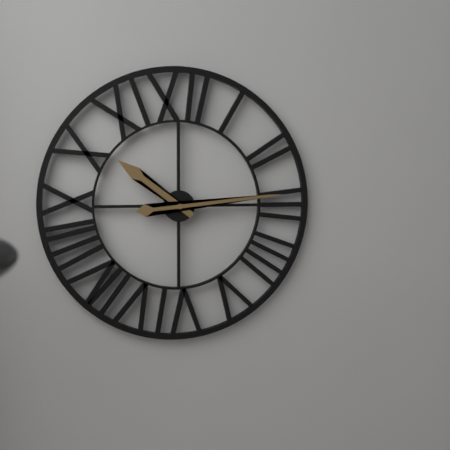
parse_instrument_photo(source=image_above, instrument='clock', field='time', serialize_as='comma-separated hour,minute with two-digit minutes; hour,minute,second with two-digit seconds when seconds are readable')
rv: 10,14
